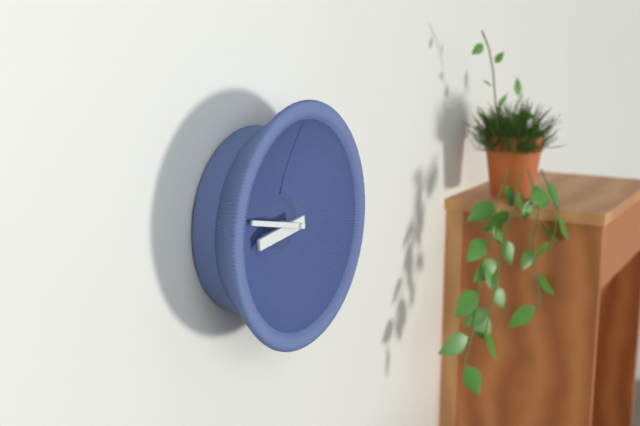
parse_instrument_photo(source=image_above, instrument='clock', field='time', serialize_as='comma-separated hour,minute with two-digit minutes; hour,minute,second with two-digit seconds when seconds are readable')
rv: 8,47
